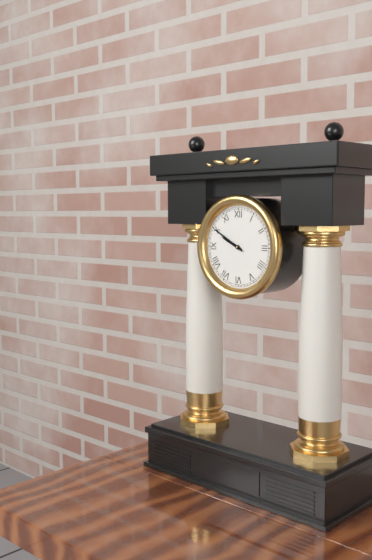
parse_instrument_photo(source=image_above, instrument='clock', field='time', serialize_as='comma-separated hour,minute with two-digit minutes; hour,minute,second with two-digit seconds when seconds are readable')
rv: 9,50
